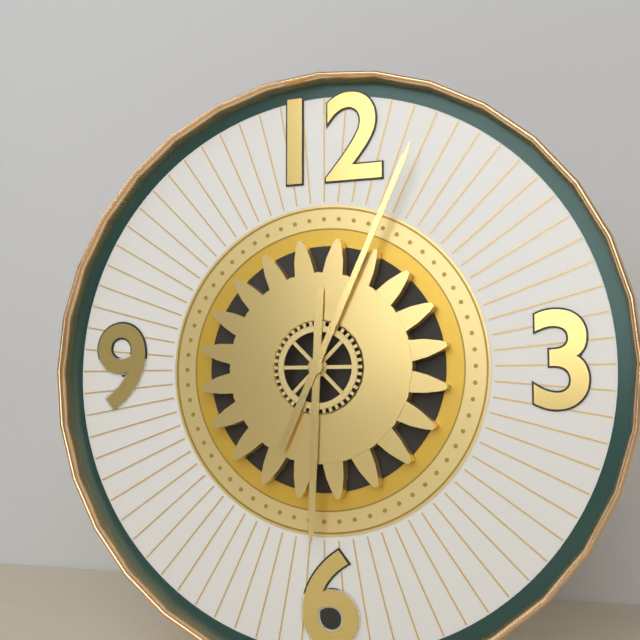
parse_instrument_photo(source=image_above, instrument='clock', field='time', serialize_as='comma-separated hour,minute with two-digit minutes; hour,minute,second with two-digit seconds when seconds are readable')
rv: 6,04
